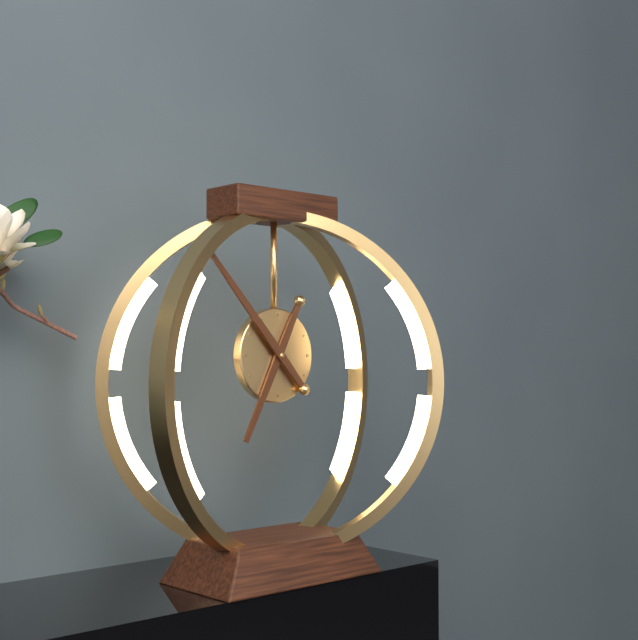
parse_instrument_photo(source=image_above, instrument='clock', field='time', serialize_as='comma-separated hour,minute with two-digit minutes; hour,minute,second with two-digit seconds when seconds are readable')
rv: 6,53
